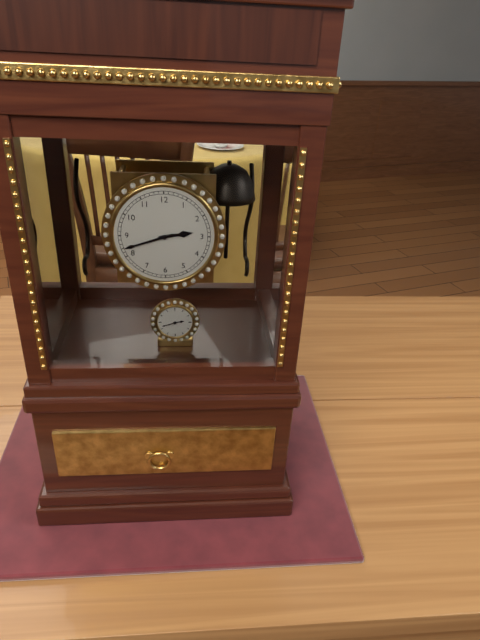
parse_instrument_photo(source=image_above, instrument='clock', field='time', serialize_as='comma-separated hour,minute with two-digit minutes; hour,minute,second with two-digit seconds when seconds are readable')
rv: 2,42
